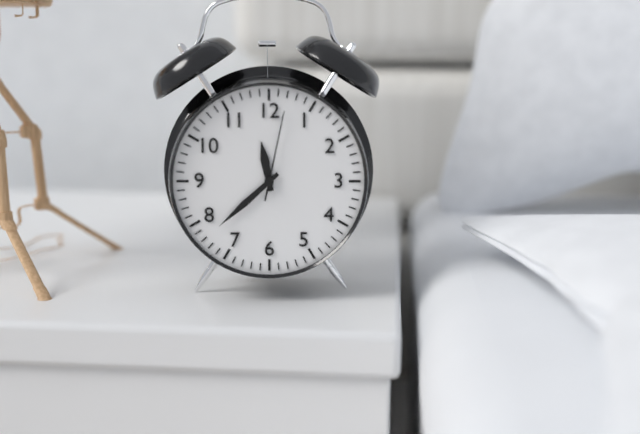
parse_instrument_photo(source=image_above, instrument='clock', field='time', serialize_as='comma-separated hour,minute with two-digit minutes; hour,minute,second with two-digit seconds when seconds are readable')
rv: 11,38,02
